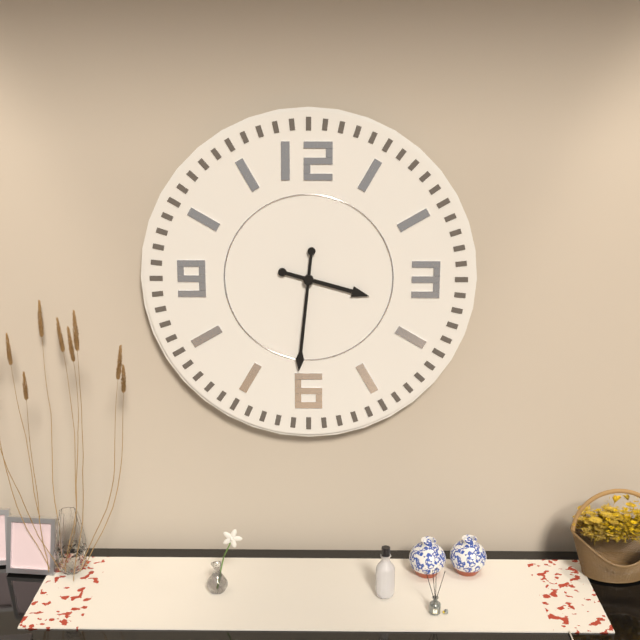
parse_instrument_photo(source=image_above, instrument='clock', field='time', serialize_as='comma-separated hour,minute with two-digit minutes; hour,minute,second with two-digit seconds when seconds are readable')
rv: 3,31
